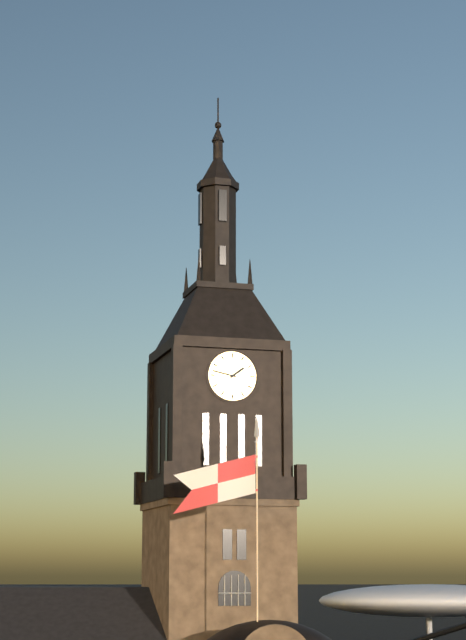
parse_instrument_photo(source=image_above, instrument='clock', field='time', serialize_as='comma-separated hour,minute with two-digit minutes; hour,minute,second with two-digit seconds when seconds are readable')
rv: 1,47
